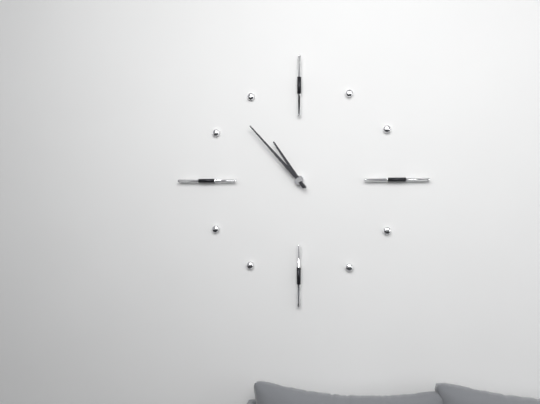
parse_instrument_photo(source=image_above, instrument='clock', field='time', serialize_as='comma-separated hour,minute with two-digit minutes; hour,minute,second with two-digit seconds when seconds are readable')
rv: 10,53
